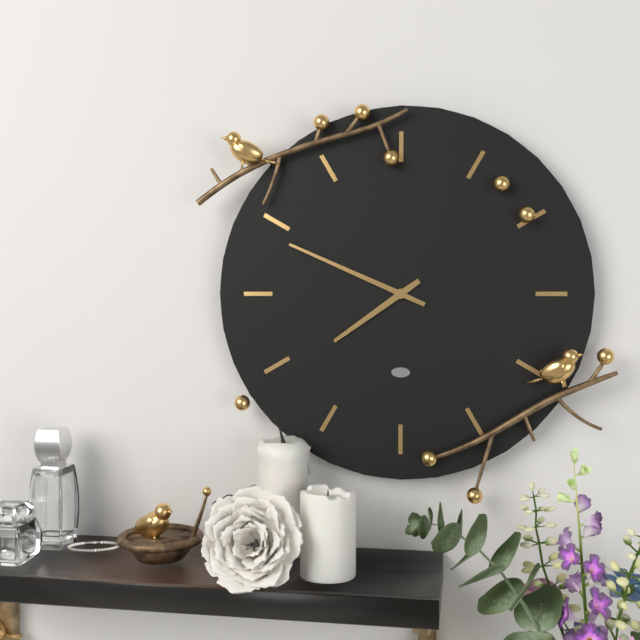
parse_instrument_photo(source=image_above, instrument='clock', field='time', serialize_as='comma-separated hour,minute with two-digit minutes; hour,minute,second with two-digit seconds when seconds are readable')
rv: 7,49
